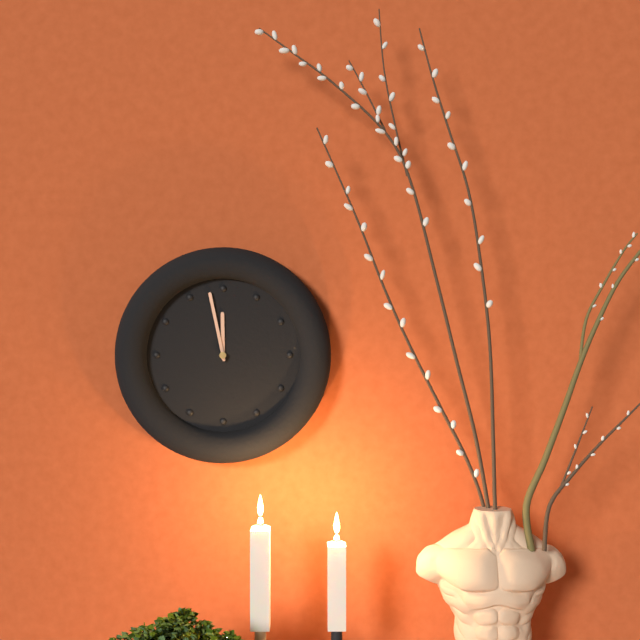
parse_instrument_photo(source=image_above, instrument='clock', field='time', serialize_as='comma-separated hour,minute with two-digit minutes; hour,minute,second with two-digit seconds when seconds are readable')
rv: 11,58
